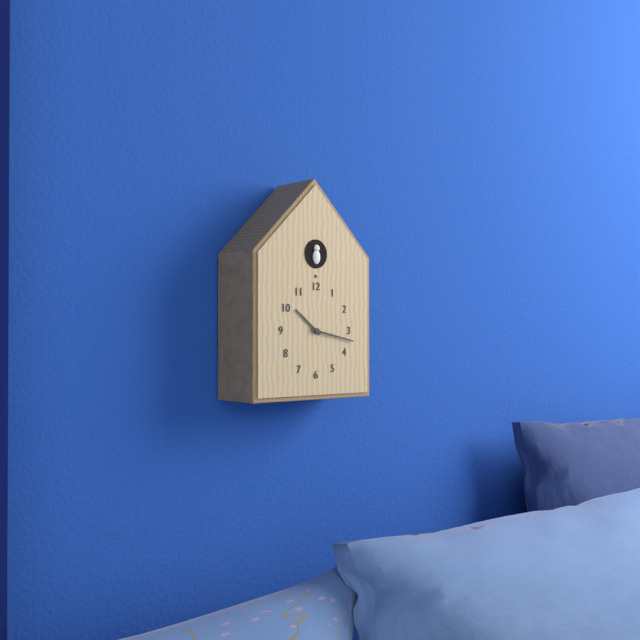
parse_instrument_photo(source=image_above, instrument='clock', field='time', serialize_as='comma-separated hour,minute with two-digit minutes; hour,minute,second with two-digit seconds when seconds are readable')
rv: 10,17
